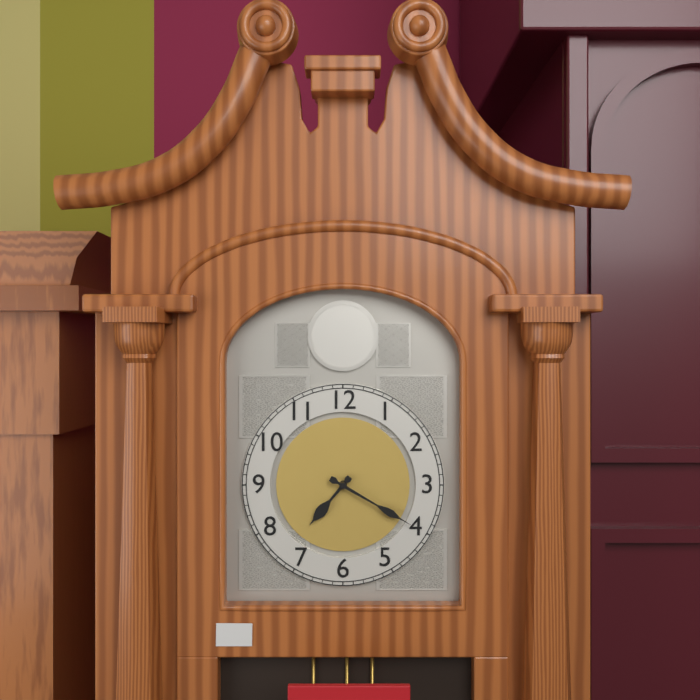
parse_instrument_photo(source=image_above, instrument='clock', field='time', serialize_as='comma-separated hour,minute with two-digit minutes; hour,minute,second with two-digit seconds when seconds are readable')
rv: 7,20
